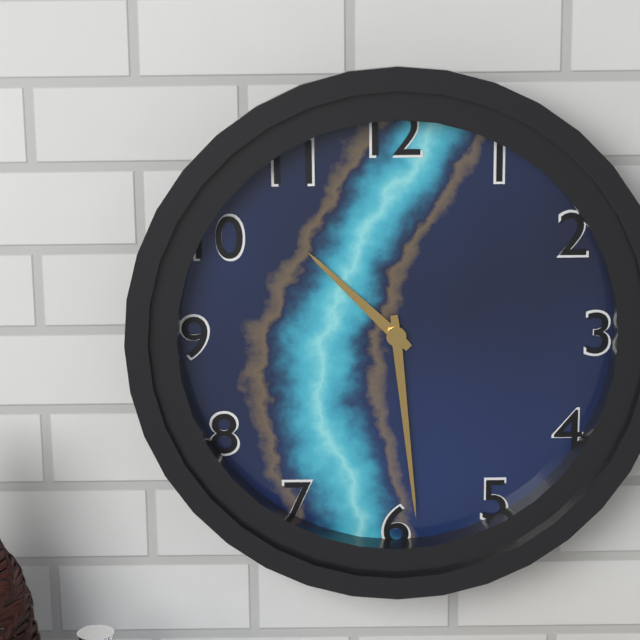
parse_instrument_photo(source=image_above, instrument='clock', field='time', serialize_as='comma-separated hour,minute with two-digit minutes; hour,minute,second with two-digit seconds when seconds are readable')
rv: 10,29
